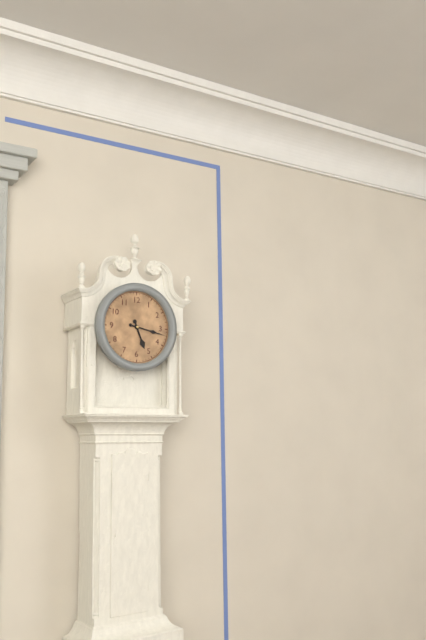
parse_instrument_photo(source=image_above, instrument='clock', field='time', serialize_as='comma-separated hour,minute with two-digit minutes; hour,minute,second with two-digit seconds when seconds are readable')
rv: 5,17
